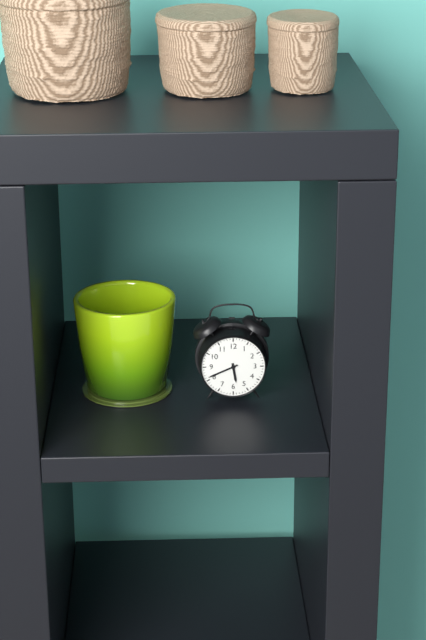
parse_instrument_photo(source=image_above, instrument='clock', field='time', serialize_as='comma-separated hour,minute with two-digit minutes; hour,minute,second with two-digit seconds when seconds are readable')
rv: 5,41
